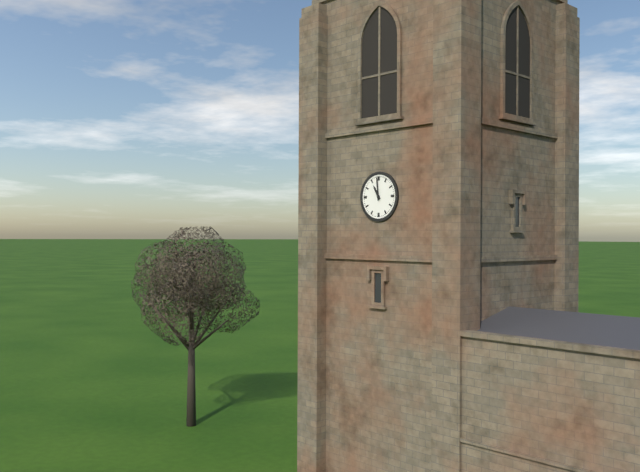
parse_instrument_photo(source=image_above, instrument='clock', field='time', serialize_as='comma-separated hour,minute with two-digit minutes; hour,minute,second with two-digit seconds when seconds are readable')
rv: 10,59
